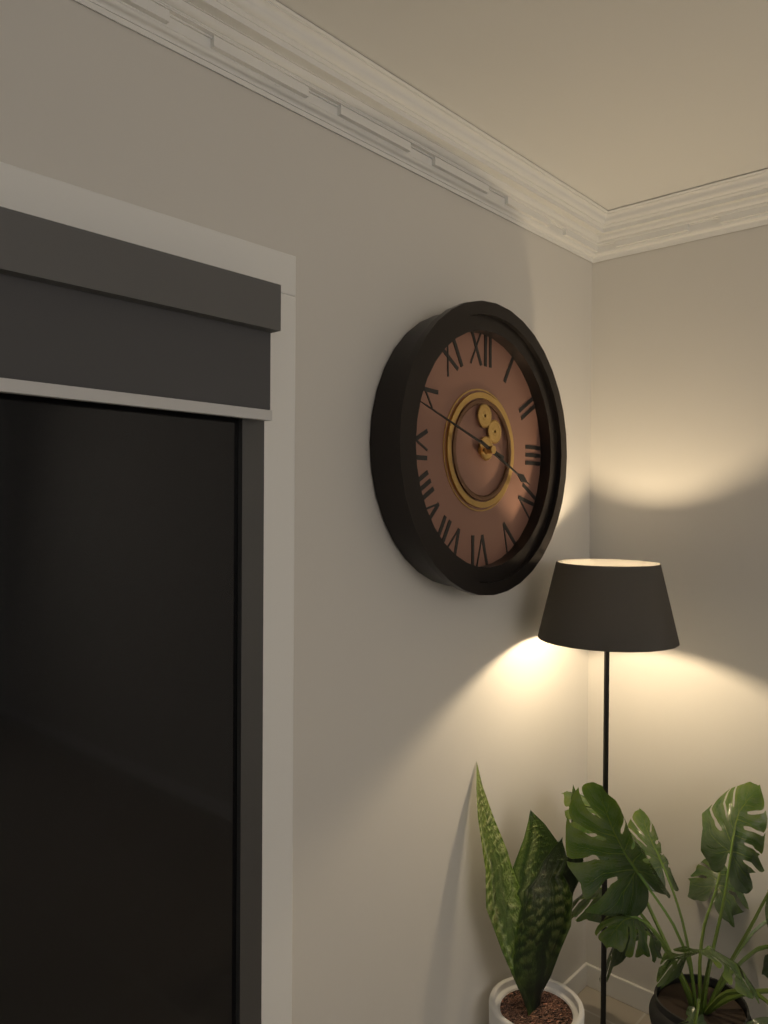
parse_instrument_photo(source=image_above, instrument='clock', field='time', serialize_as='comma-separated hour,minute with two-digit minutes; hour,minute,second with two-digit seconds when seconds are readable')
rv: 3,48
